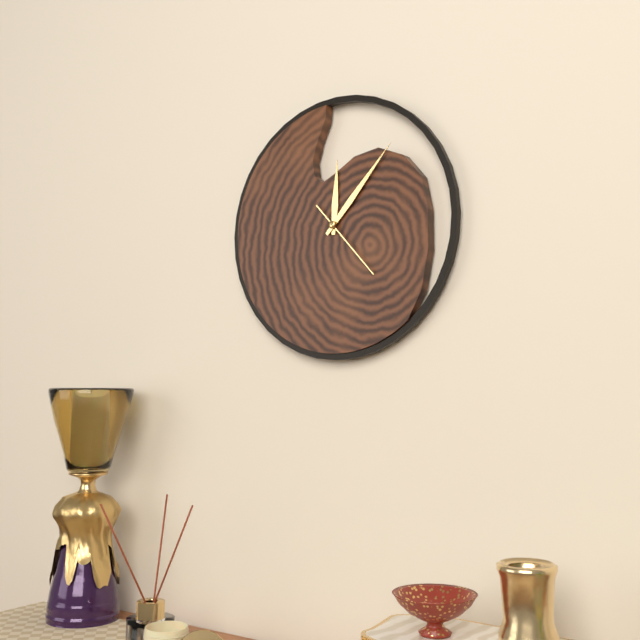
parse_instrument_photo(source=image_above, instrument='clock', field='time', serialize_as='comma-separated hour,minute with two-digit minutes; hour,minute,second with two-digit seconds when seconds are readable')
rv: 12,07,23
